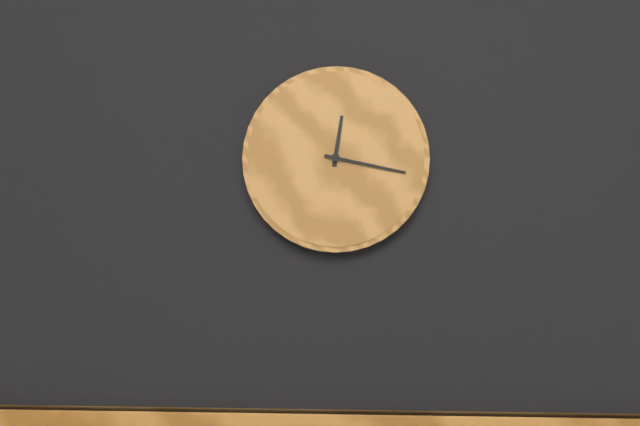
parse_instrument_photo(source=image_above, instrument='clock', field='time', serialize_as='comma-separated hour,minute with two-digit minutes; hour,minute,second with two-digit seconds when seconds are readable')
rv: 12,17
